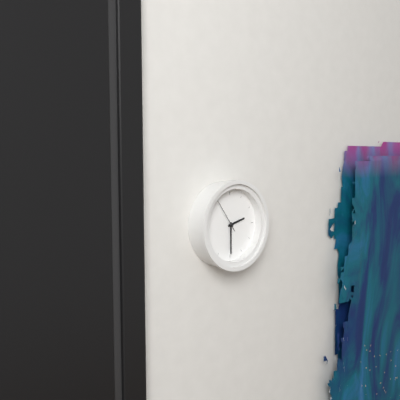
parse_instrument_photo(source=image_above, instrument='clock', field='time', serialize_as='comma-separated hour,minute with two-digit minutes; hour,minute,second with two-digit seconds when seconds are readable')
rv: 2,30
